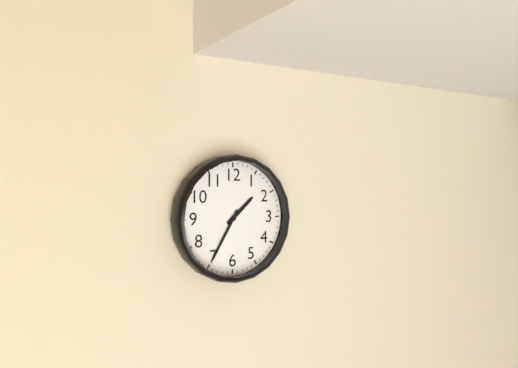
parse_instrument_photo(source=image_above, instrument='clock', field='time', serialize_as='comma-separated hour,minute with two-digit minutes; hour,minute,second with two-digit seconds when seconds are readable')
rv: 1,35
